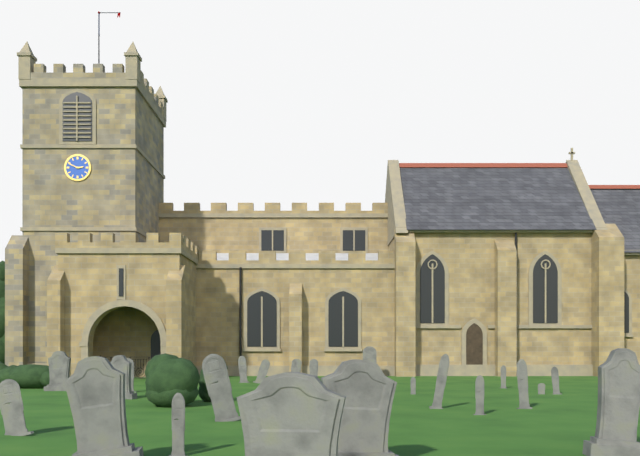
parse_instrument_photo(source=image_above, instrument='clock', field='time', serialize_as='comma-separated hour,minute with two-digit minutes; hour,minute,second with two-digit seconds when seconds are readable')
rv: 2,49
